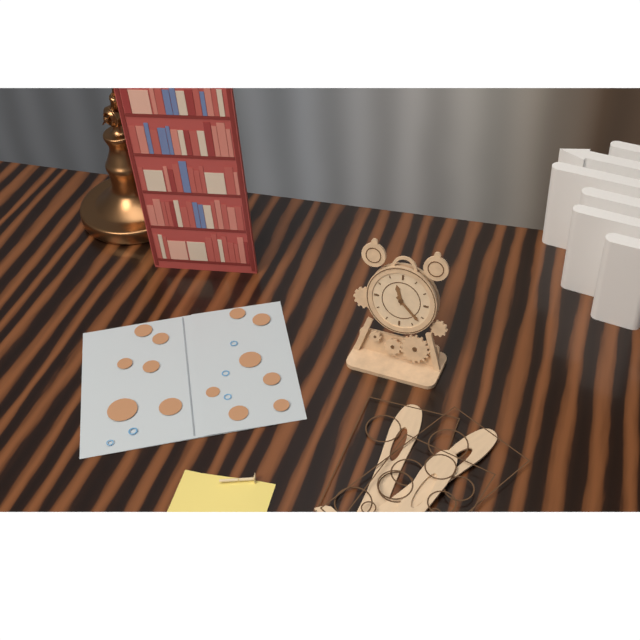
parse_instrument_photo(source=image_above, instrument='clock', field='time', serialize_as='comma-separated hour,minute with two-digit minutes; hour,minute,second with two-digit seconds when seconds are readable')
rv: 11,22
